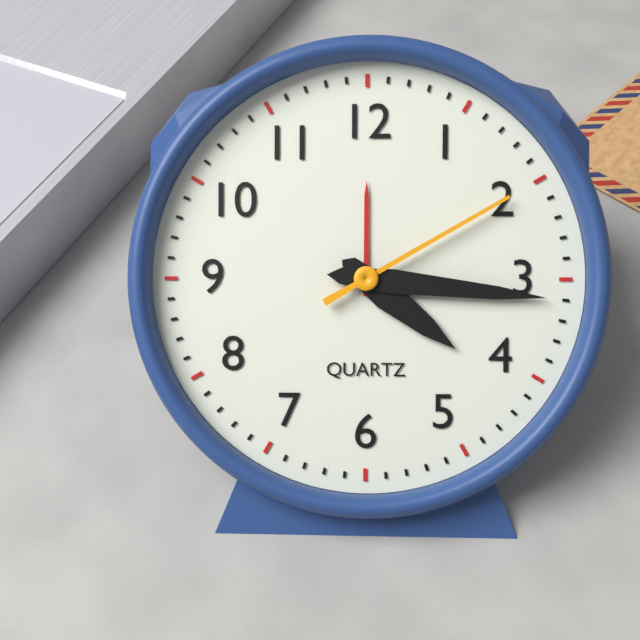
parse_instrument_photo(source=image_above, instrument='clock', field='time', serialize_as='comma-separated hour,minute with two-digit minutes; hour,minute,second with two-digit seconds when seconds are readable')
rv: 4,16,10
